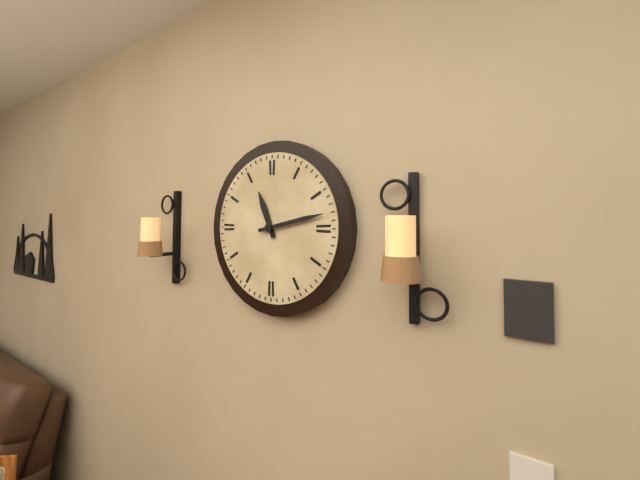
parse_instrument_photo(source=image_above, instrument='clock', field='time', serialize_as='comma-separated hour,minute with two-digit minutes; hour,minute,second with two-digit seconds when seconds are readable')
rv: 11,13
